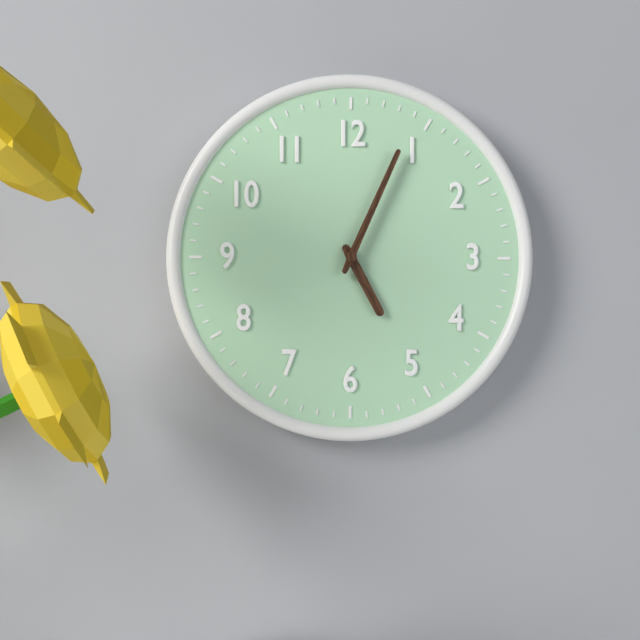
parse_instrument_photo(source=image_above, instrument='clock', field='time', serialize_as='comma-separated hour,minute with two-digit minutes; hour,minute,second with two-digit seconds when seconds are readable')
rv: 5,04
